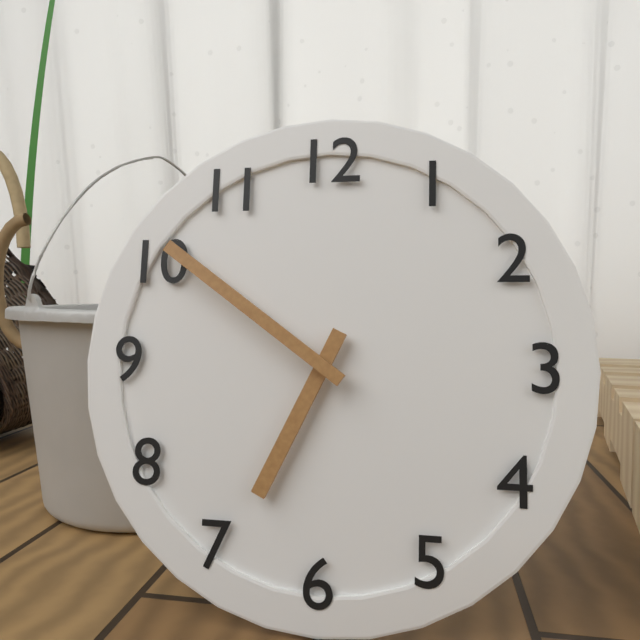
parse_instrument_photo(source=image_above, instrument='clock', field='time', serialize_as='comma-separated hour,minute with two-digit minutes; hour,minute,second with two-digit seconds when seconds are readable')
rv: 6,51
